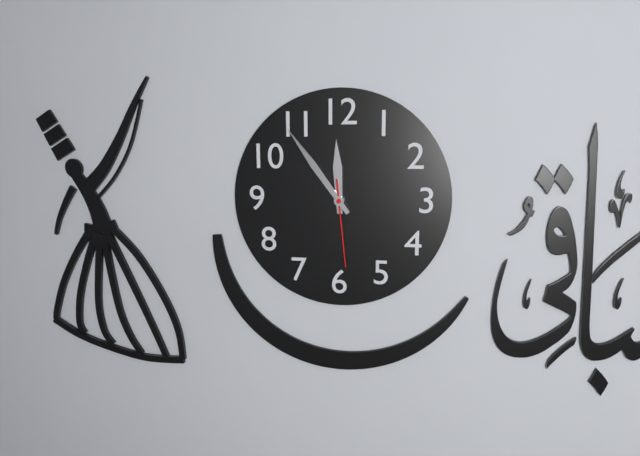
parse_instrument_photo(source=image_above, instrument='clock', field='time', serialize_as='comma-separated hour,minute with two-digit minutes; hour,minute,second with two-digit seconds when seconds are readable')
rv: 11,54,29
